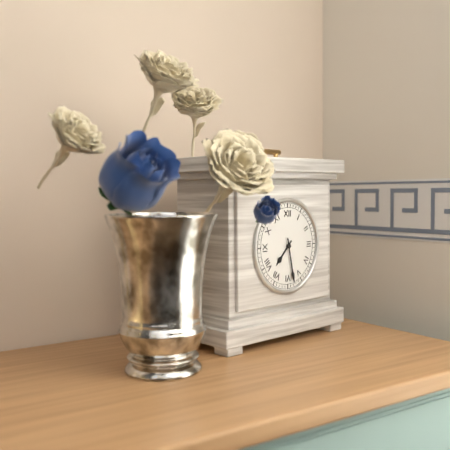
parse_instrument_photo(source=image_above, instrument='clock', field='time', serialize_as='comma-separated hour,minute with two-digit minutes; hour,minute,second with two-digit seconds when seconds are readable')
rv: 7,28
